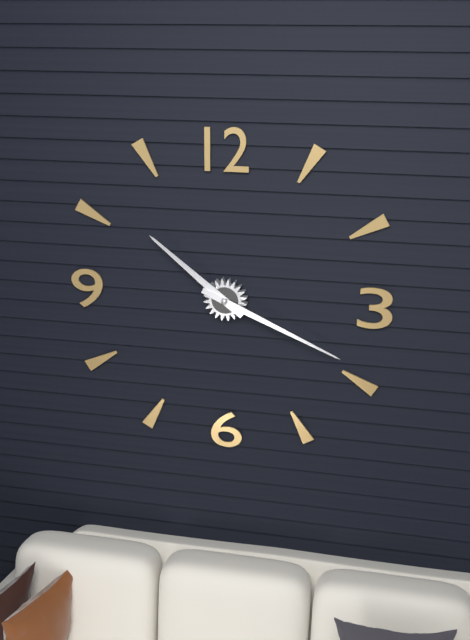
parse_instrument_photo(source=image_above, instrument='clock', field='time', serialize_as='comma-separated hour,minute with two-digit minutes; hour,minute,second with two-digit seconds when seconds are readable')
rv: 10,19
